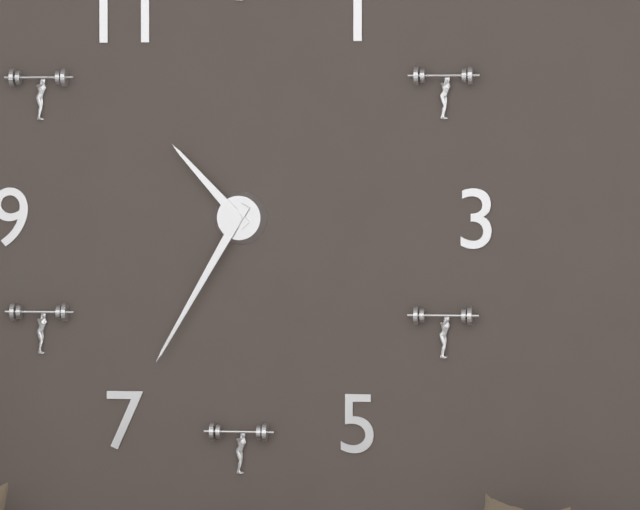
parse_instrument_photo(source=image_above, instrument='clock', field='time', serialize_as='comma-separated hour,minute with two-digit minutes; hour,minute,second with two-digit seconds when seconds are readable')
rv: 10,35
